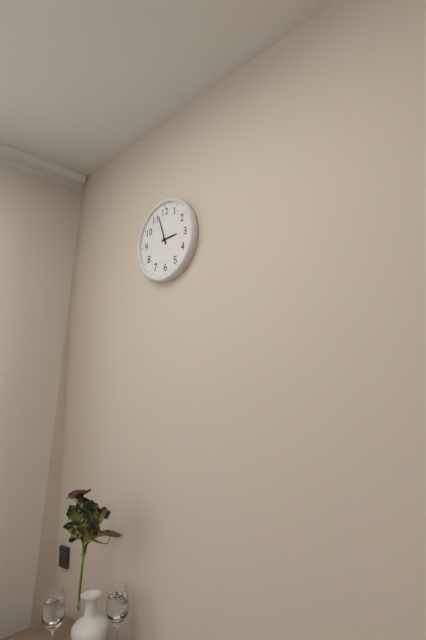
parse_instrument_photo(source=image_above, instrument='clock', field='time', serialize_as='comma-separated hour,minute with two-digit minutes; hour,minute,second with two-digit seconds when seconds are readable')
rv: 2,57
